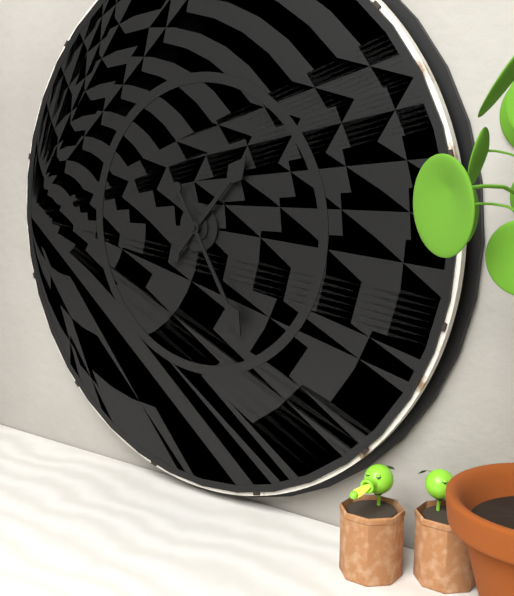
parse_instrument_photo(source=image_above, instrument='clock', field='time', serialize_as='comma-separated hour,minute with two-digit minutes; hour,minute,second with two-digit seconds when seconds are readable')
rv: 1,25
